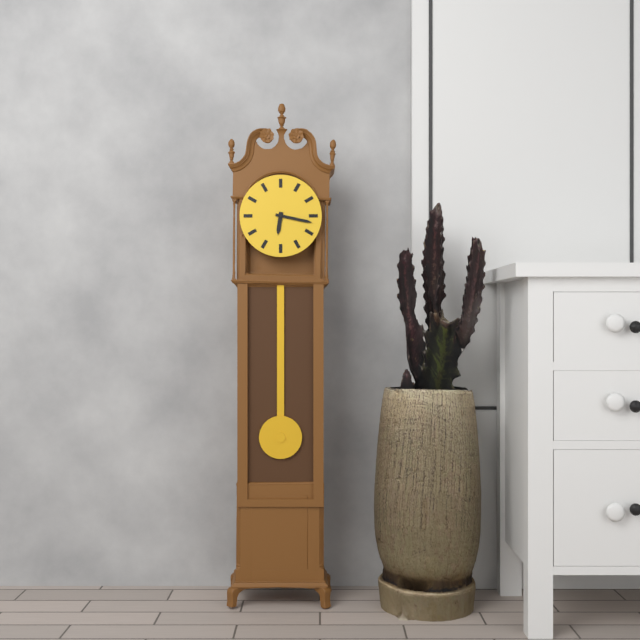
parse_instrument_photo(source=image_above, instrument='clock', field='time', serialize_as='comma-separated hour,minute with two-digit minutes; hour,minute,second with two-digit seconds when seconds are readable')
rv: 6,17
